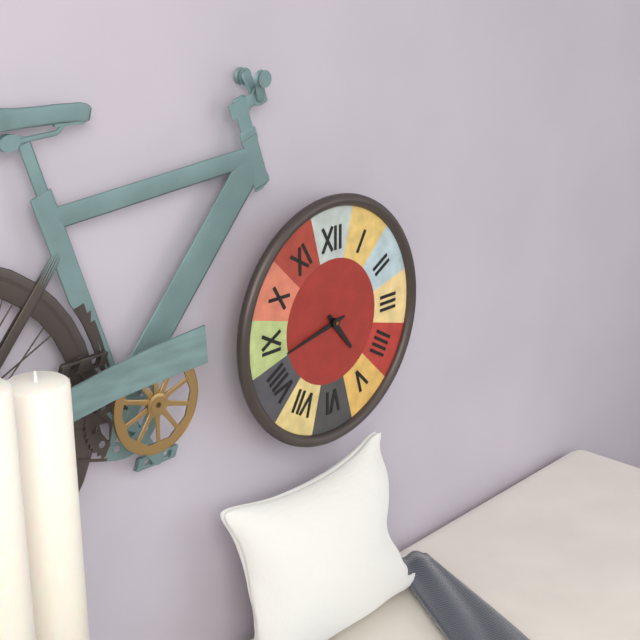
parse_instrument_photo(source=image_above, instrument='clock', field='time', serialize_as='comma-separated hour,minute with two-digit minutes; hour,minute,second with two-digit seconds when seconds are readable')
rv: 4,43
